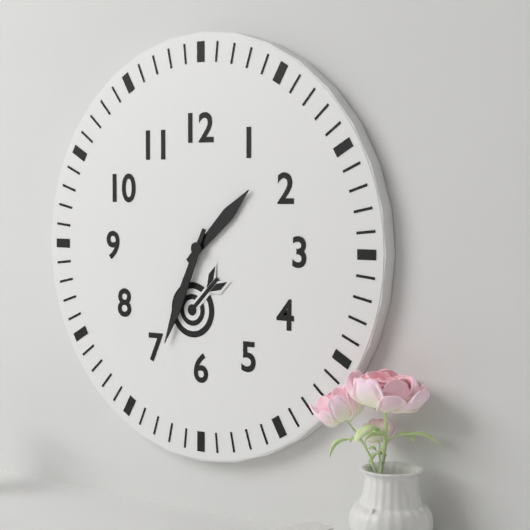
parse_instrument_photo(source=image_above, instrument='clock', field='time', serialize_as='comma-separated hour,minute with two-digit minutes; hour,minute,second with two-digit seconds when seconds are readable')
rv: 1,34
